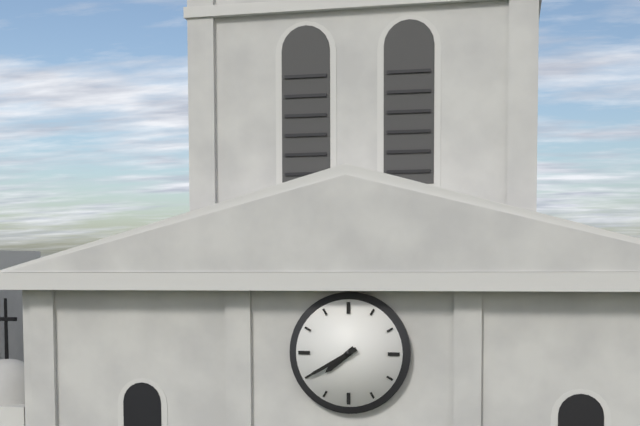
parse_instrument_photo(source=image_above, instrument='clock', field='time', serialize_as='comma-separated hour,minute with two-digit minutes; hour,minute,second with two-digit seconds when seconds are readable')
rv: 7,40
